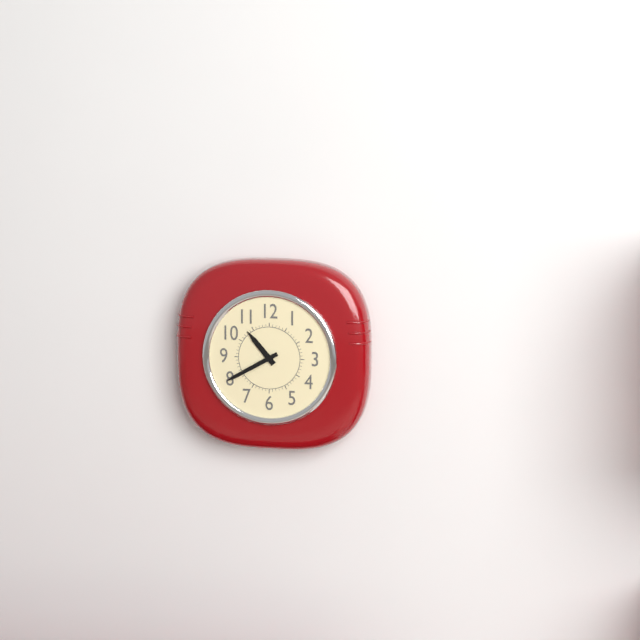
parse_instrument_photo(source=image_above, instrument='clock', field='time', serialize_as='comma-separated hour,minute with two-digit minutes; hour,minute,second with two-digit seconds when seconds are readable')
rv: 10,40
